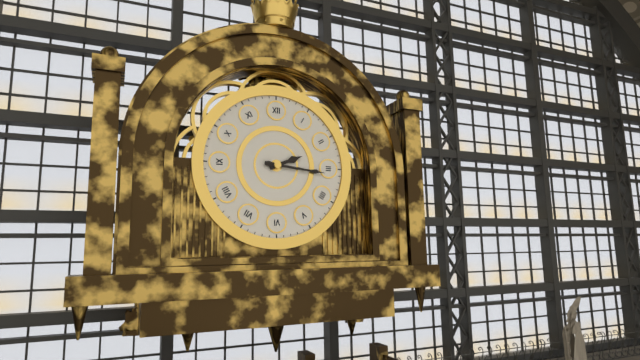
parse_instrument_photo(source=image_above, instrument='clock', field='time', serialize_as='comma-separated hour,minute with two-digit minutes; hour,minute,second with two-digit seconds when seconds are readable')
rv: 2,16
